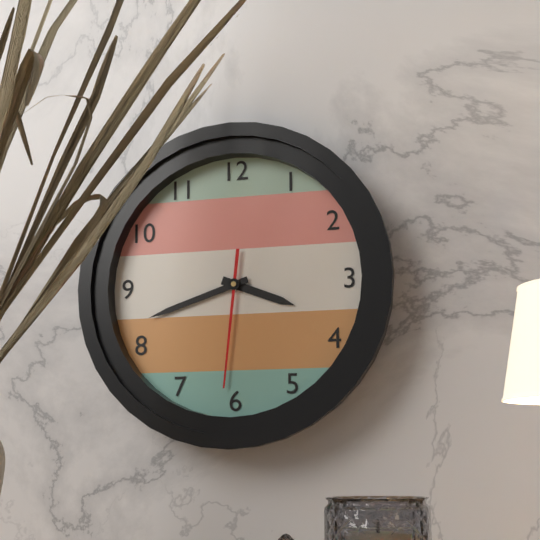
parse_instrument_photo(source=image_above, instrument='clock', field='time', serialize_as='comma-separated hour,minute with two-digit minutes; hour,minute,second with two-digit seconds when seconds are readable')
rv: 3,42,31
